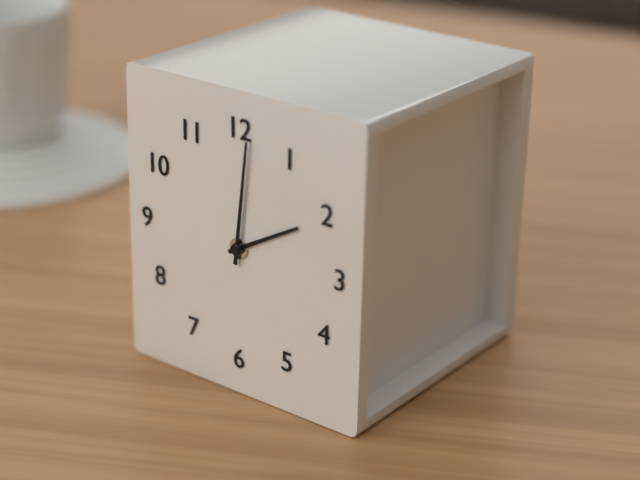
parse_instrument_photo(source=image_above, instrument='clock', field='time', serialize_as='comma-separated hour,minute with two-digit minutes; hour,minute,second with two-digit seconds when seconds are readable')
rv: 2,01
